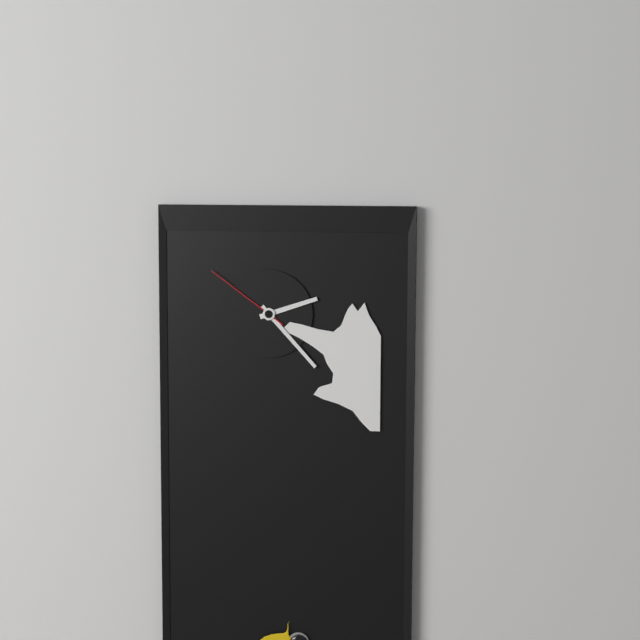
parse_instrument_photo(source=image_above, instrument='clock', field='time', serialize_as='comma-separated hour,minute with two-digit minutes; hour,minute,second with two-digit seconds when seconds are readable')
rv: 2,23,51
